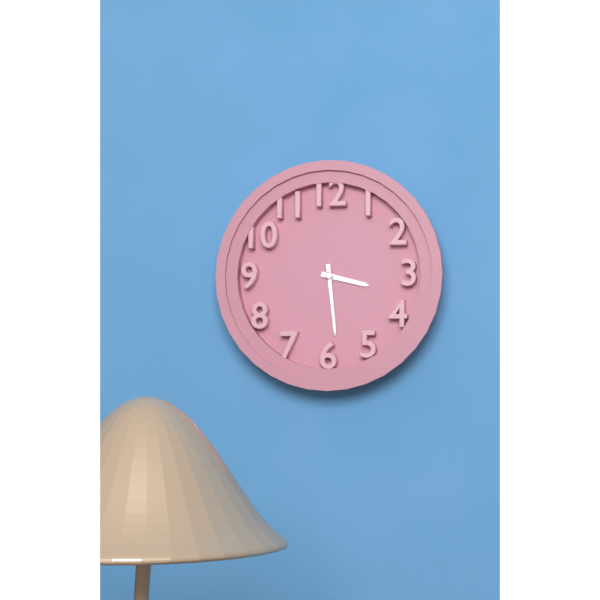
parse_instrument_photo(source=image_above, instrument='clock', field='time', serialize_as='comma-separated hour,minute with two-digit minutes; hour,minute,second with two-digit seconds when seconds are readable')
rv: 3,29
